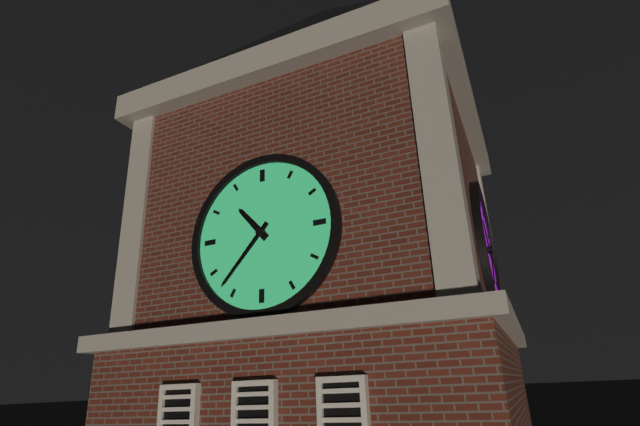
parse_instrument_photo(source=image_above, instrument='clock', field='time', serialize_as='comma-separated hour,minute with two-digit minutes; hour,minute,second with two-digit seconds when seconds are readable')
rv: 10,37
